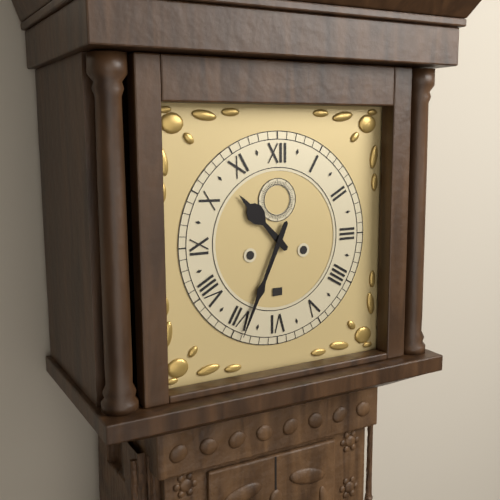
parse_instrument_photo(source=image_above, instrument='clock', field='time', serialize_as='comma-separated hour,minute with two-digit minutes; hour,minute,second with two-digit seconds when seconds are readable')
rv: 10,34
